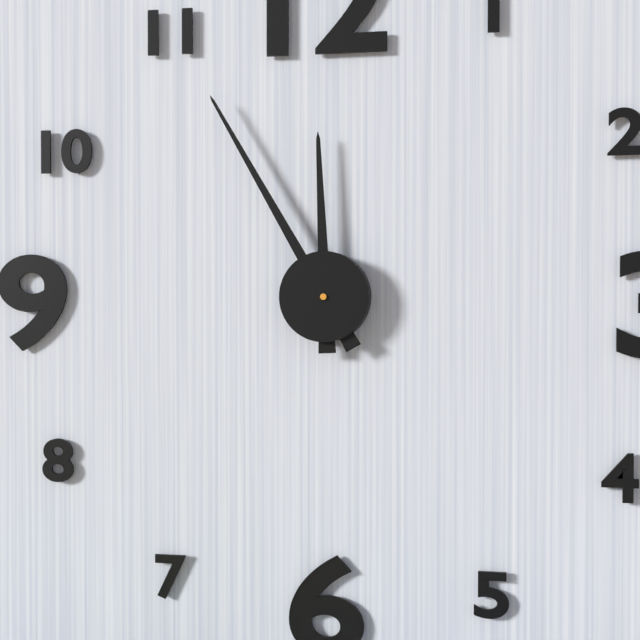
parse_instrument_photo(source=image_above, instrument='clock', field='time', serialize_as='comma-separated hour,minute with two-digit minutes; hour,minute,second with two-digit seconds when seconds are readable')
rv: 11,55
